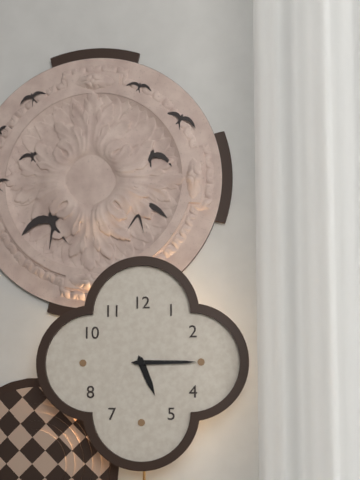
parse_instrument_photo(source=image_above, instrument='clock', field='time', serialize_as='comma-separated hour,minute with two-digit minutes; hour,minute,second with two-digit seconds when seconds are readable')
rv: 5,15
